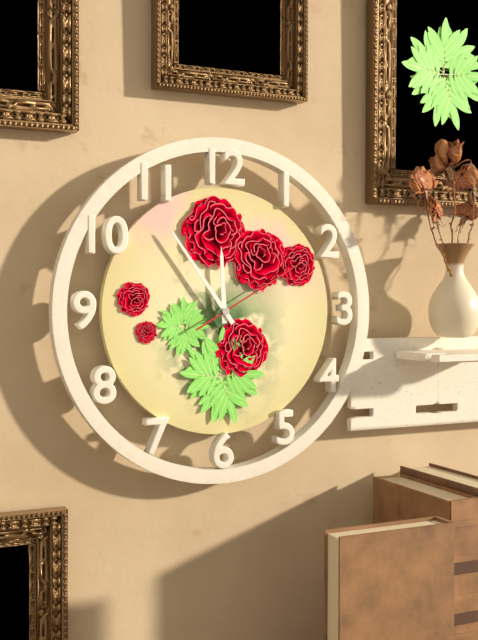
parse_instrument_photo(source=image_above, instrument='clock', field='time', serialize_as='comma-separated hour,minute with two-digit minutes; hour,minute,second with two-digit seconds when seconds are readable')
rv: 11,54,10
